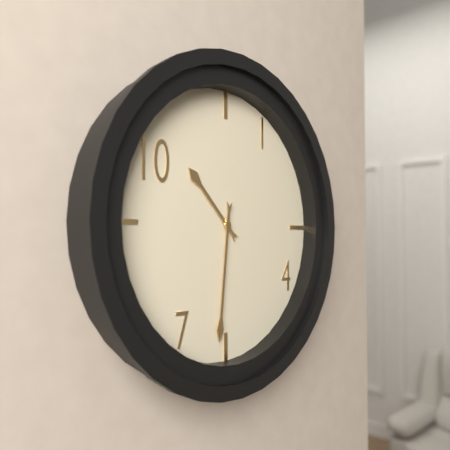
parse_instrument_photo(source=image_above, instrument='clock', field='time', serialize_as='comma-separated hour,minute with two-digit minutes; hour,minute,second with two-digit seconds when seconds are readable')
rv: 10,31
